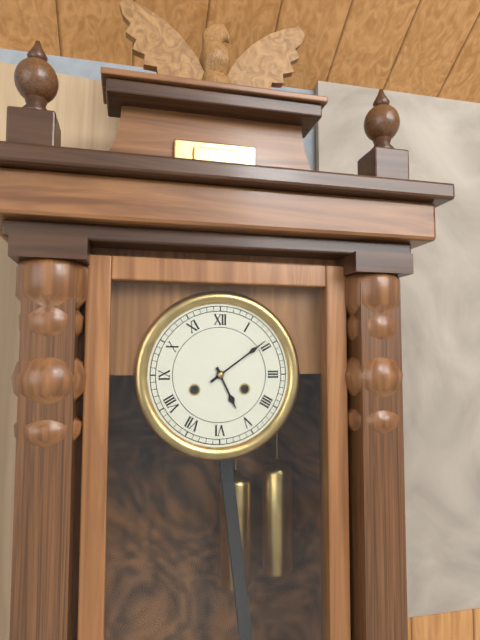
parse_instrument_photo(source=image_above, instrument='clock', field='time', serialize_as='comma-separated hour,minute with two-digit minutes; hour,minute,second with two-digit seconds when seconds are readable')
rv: 5,09
